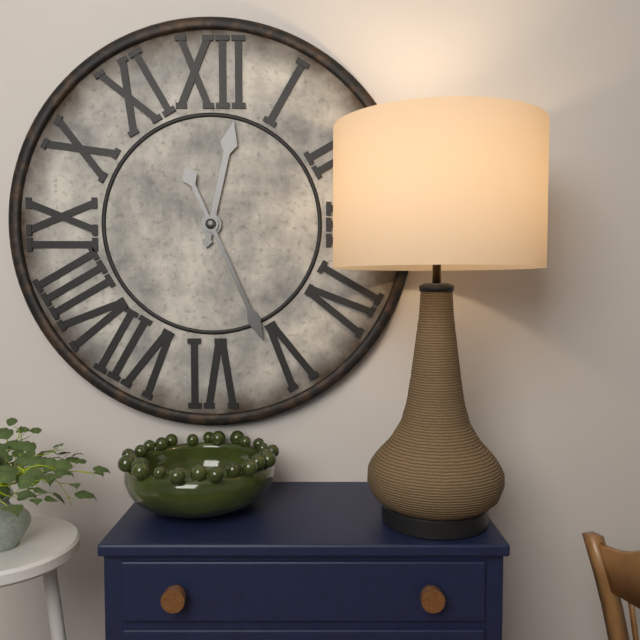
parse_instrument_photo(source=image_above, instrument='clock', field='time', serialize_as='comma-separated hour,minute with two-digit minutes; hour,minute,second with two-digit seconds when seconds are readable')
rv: 12,26
